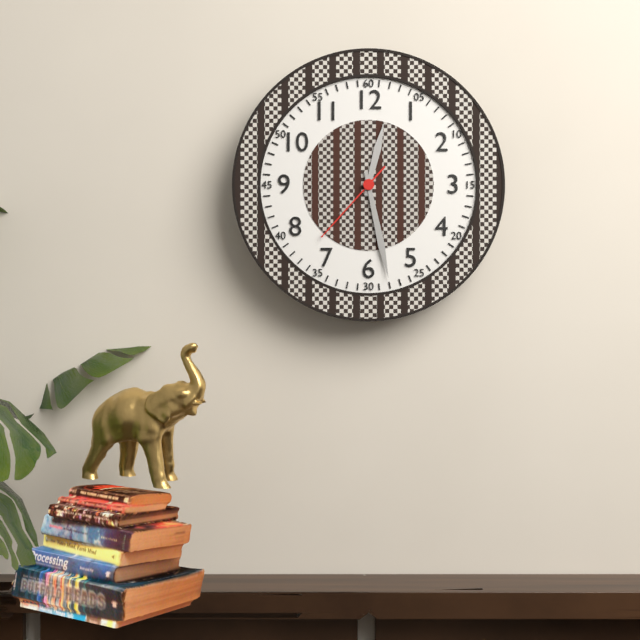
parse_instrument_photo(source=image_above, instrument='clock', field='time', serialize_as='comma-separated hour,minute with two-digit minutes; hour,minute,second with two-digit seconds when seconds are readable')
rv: 12,28,37
